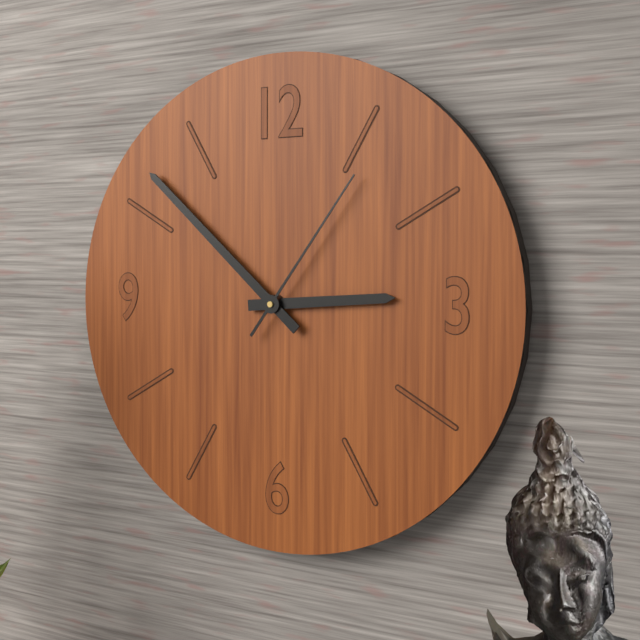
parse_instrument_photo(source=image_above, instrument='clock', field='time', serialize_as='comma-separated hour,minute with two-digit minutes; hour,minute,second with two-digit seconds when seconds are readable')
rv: 2,52,06
